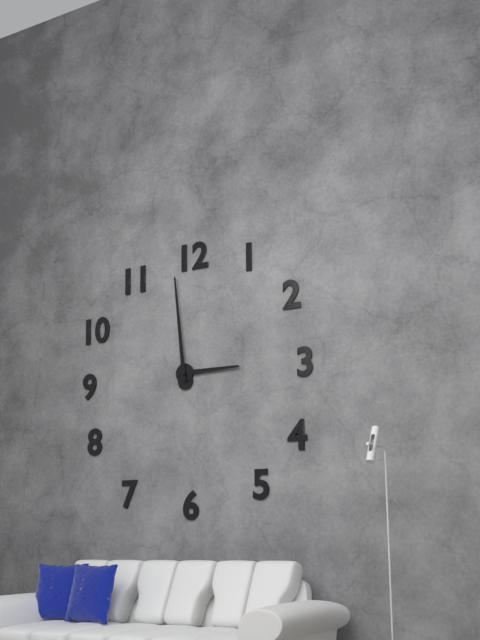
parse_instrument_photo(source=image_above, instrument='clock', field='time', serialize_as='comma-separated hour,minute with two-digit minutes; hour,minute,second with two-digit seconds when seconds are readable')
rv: 2,59
